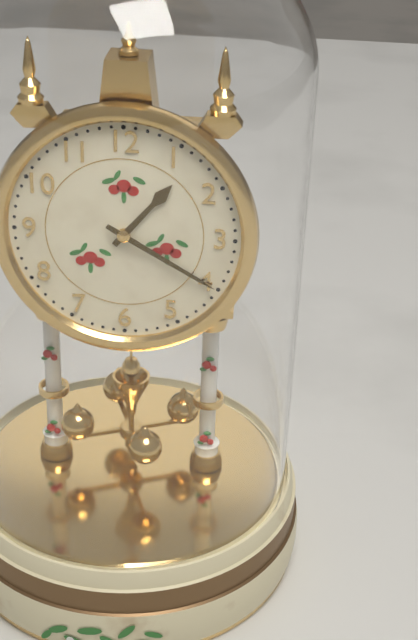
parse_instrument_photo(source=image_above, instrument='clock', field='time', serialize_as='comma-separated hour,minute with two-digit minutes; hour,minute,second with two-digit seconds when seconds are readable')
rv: 1,20
